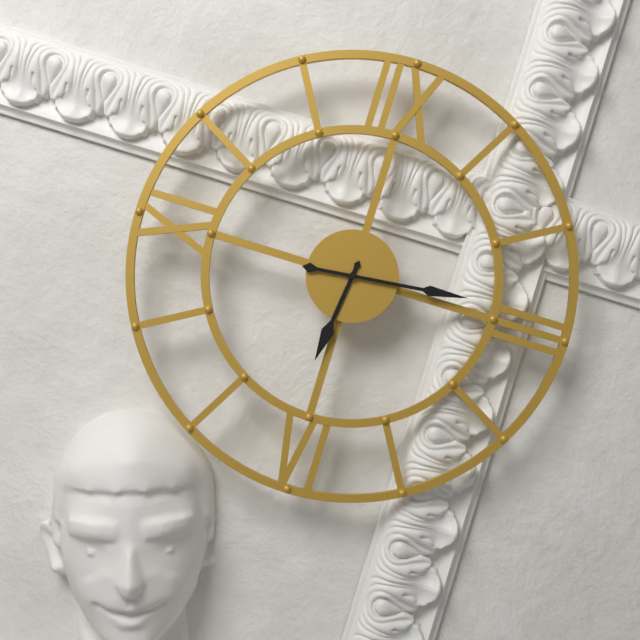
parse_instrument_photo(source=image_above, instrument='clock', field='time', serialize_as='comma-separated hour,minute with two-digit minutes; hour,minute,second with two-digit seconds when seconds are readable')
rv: 6,14
